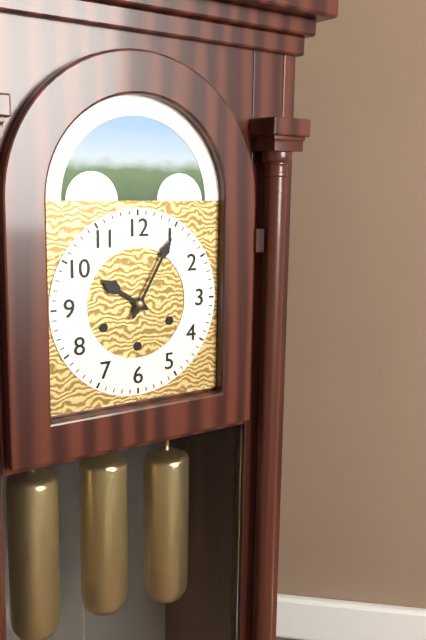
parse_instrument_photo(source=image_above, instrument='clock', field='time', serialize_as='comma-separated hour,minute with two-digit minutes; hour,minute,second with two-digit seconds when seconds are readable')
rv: 10,05
